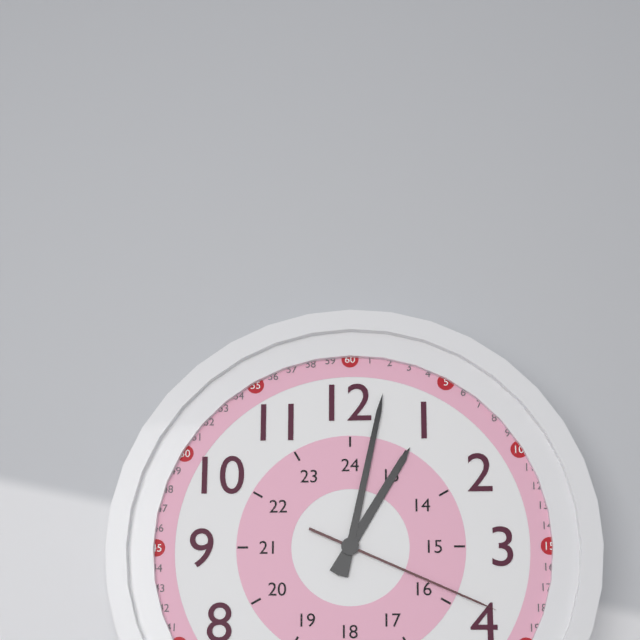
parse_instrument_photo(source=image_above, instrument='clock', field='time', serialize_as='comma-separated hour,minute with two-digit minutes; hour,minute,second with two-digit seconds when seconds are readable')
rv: 1,02,19
